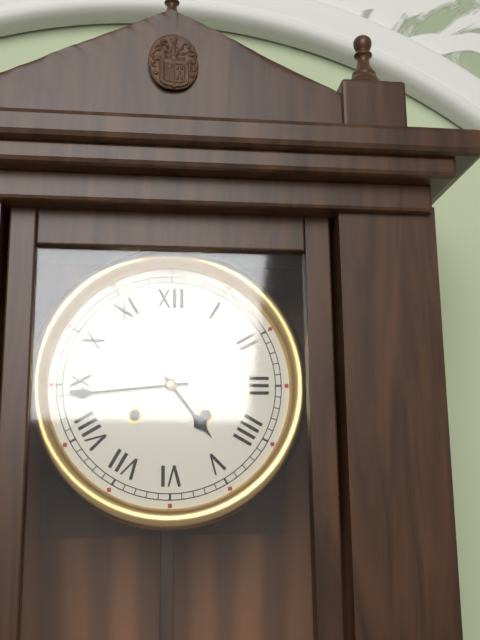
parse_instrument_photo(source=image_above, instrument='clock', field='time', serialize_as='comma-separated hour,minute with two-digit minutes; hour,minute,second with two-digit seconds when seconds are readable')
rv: 4,44
